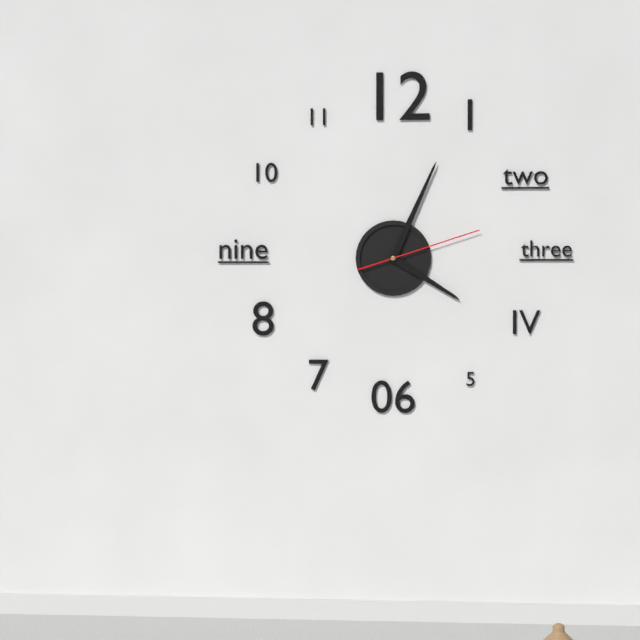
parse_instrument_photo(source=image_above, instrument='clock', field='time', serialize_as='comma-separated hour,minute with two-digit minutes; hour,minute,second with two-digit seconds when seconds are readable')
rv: 4,04,12
